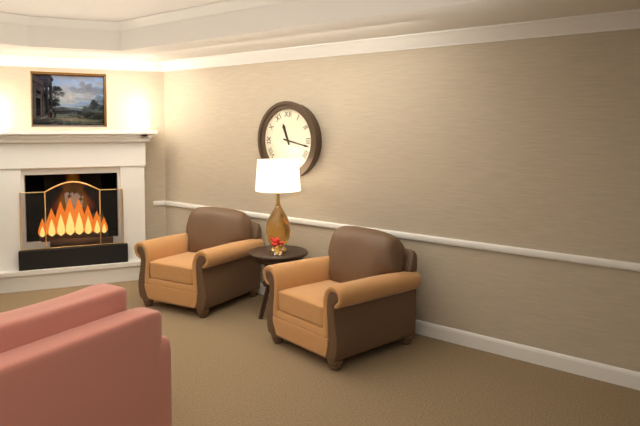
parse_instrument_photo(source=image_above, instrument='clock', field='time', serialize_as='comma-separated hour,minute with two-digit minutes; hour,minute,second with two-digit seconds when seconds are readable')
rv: 11,17
